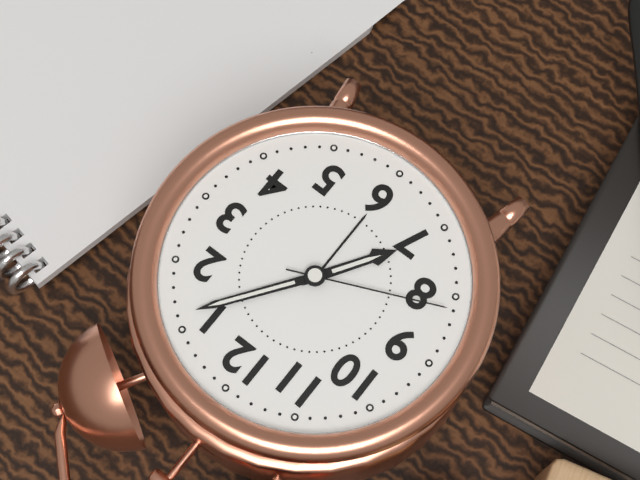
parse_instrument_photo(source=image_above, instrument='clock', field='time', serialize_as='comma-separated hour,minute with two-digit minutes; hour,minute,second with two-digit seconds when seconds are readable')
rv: 7,06,41
